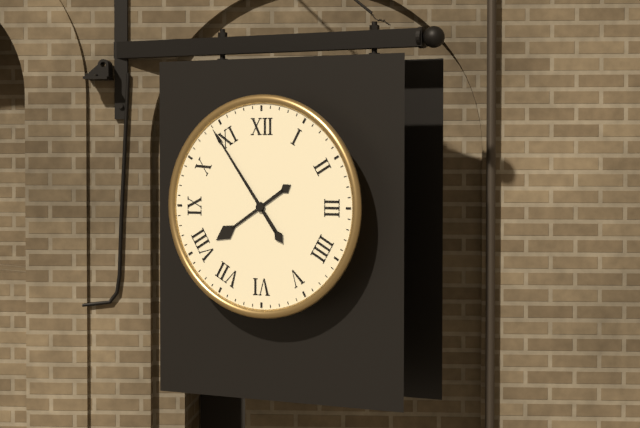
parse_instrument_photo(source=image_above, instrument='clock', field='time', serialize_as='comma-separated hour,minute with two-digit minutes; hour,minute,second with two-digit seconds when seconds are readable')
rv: 7,54
